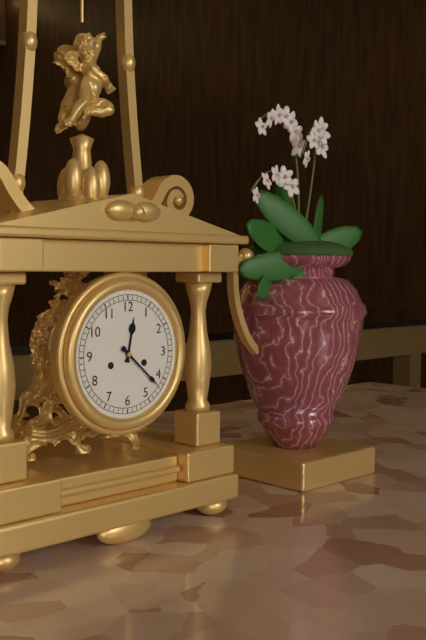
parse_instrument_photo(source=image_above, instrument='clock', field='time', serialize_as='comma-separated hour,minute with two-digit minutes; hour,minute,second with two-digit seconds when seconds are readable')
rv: 12,22
